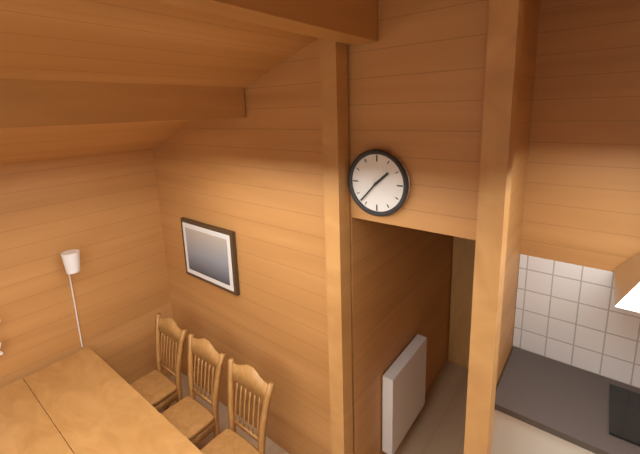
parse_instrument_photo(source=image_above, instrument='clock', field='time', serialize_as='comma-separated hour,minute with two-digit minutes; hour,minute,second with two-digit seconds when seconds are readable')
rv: 1,37
